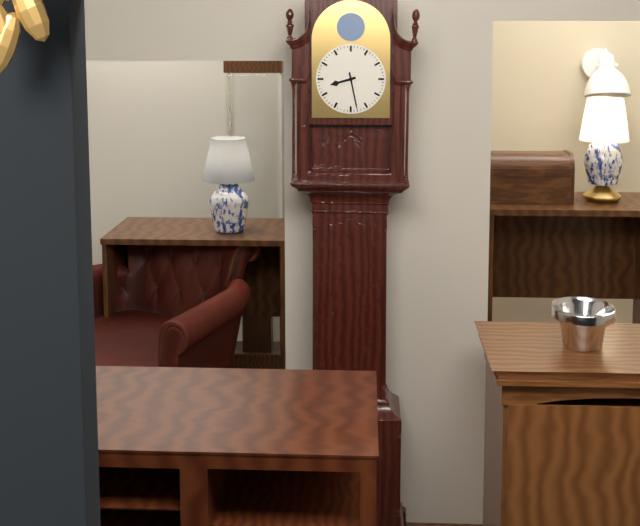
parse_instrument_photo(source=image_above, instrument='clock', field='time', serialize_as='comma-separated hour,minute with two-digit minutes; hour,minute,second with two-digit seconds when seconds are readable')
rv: 8,28
